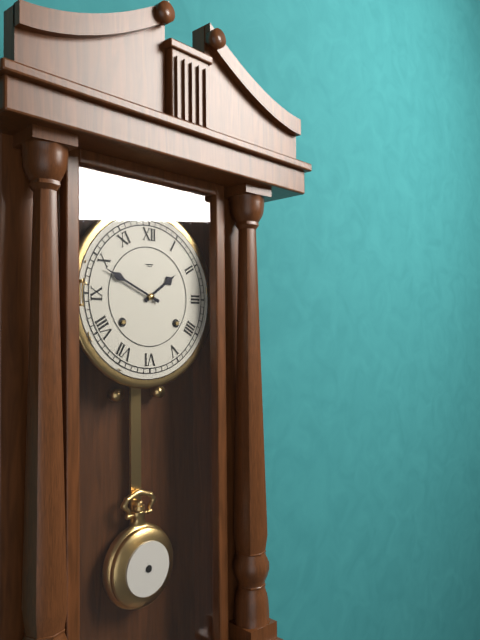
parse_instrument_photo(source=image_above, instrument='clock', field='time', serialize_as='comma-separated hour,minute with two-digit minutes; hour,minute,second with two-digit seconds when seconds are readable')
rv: 1,49
